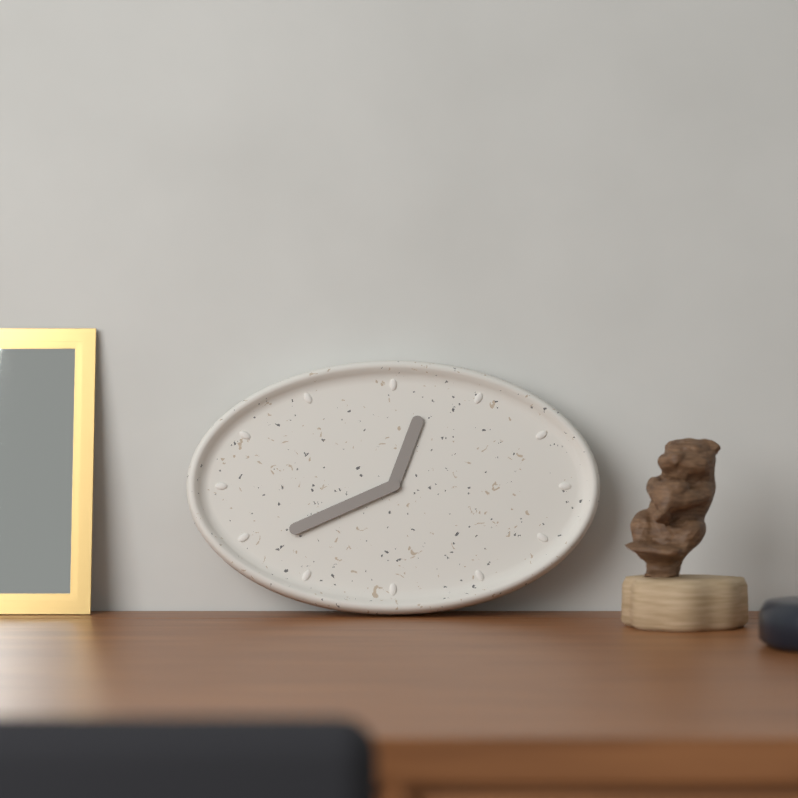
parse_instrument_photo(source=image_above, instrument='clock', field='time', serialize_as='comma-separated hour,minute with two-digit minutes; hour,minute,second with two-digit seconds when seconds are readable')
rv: 12,41
